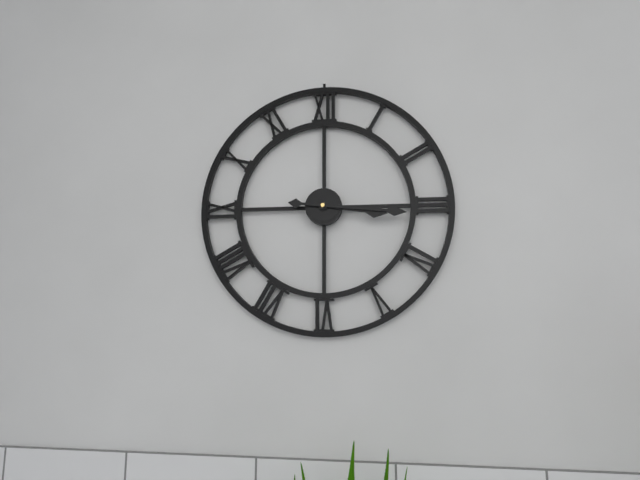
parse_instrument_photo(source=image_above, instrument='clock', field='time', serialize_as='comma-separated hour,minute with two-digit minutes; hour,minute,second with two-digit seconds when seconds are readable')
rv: 3,16
